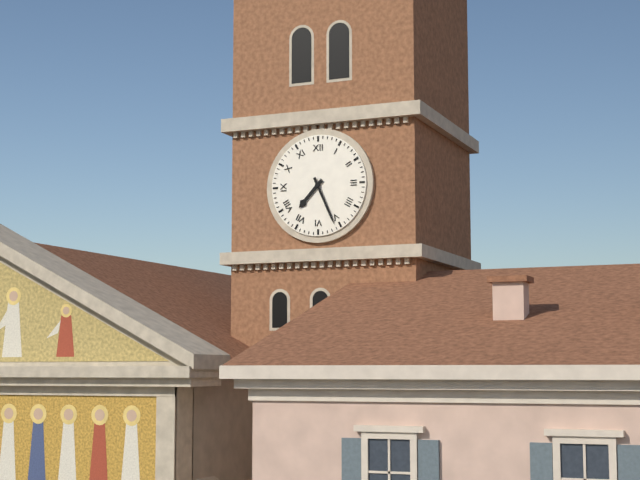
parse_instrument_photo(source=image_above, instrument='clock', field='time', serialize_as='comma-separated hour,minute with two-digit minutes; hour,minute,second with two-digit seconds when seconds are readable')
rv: 7,26
